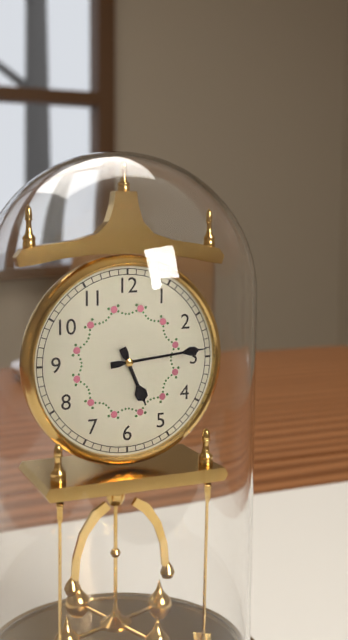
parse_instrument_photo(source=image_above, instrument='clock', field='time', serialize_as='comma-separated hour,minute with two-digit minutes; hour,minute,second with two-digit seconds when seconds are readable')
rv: 5,14
